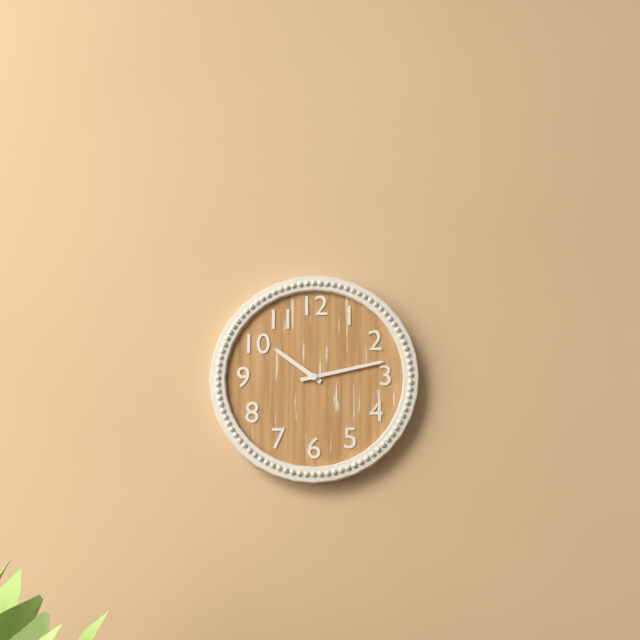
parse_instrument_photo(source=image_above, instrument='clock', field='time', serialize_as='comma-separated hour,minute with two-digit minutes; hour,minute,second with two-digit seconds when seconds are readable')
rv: 10,13
